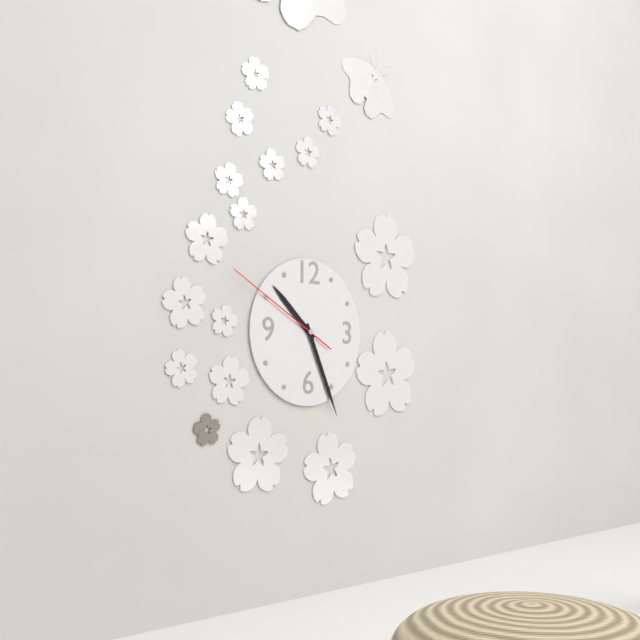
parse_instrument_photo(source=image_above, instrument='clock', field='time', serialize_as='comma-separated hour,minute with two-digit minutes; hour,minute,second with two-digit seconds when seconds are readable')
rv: 10,26,50
